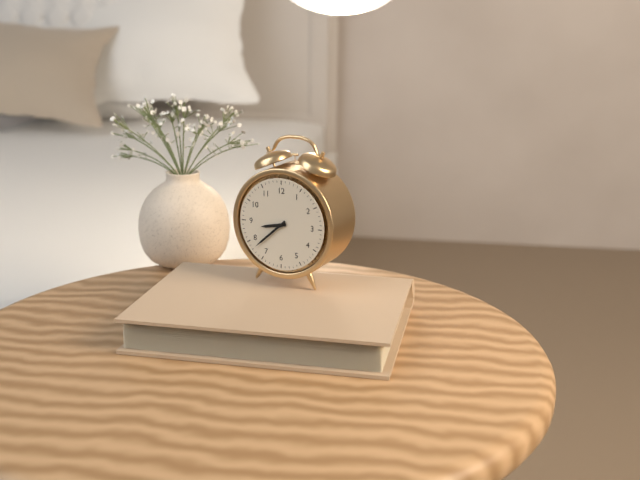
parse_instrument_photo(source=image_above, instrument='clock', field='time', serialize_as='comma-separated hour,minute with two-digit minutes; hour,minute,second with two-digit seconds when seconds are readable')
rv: 8,38
